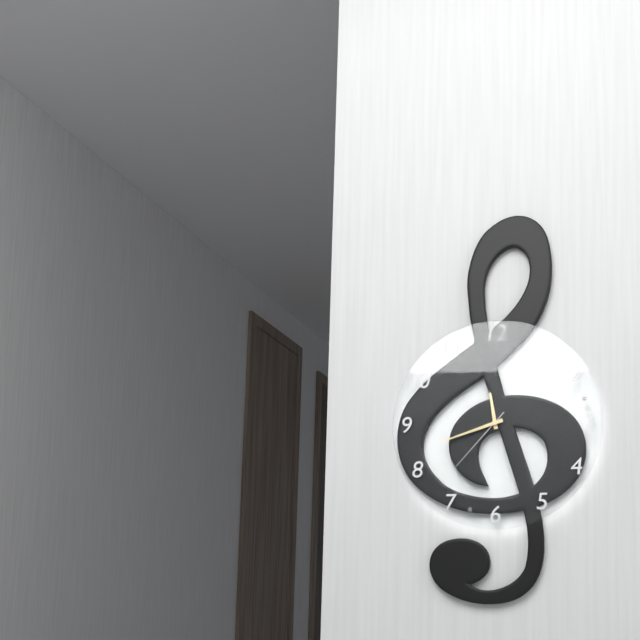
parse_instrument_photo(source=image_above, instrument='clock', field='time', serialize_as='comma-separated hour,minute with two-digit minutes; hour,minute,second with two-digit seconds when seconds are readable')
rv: 11,42,37
